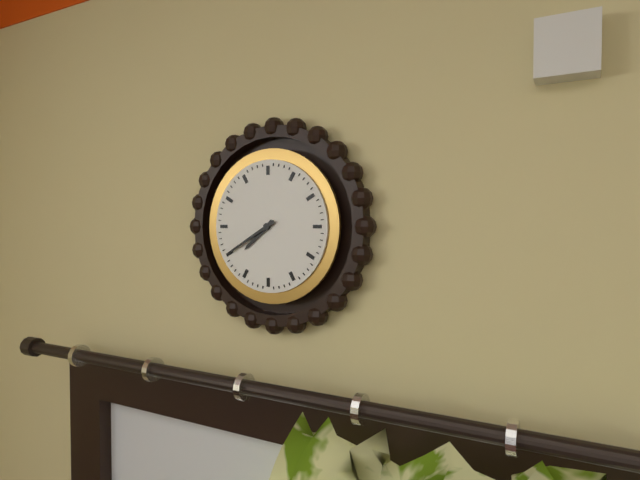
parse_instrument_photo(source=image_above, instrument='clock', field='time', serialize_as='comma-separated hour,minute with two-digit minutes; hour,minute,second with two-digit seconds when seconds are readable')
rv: 7,40
